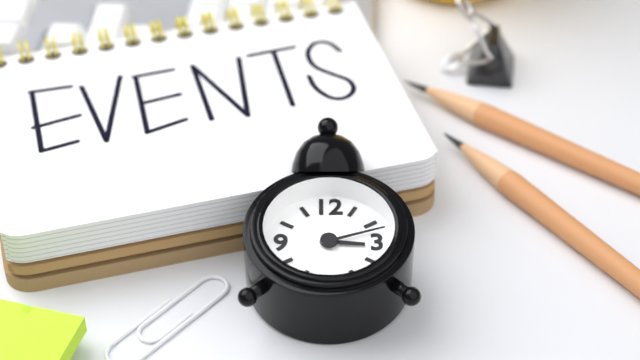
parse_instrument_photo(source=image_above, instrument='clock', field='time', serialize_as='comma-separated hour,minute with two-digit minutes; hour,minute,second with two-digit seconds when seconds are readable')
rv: 3,12
